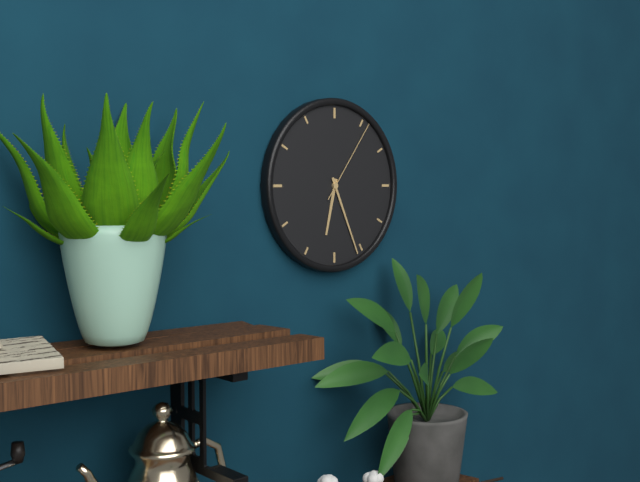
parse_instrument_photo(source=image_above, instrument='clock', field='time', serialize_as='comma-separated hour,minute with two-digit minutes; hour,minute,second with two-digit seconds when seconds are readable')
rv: 6,26,06
